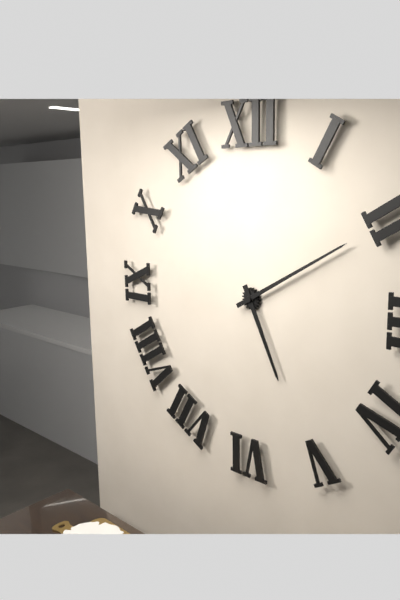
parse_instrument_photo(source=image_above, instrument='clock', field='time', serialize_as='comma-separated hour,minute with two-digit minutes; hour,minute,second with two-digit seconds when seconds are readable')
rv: 5,10
